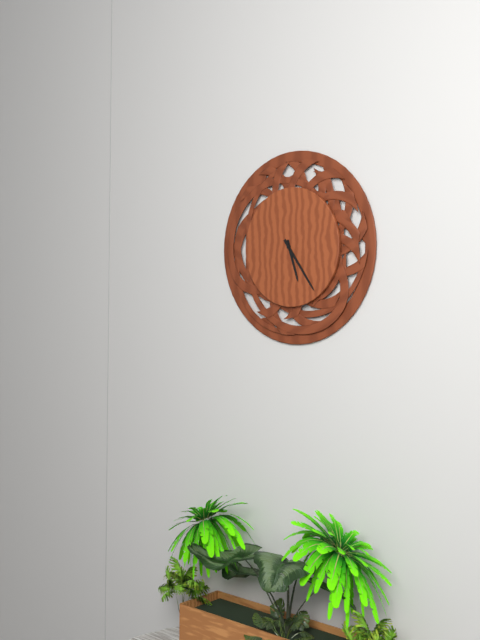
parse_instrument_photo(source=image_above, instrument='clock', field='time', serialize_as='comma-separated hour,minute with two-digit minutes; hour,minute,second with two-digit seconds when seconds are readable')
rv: 5,24
